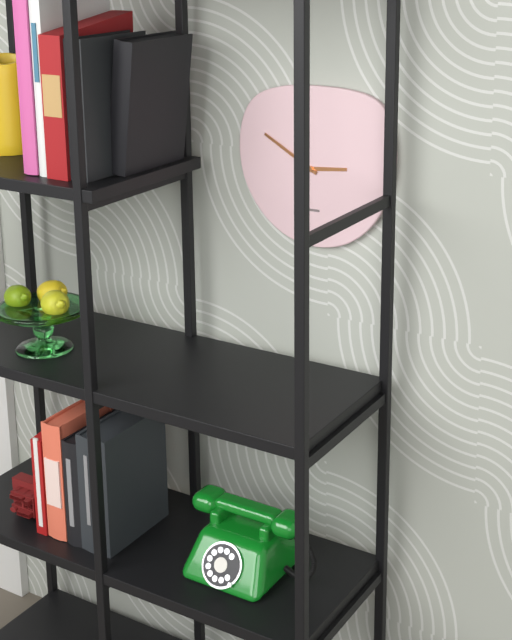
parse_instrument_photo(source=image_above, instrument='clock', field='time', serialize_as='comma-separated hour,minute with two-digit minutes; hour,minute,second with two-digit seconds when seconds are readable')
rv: 2,50
